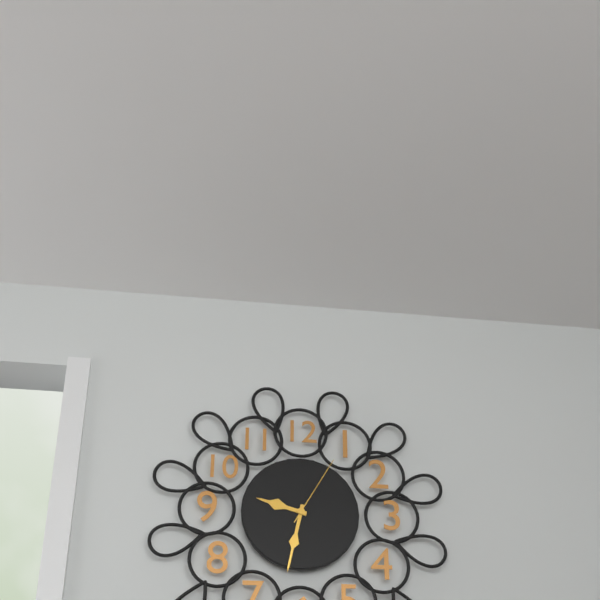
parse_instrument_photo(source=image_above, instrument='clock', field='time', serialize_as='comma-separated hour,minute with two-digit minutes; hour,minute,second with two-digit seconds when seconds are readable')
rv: 9,32,05
